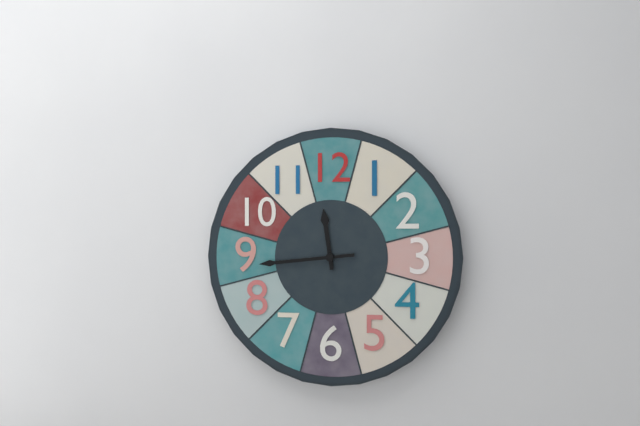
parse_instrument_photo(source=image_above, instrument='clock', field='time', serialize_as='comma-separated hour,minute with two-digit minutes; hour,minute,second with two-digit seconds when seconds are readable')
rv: 11,44
